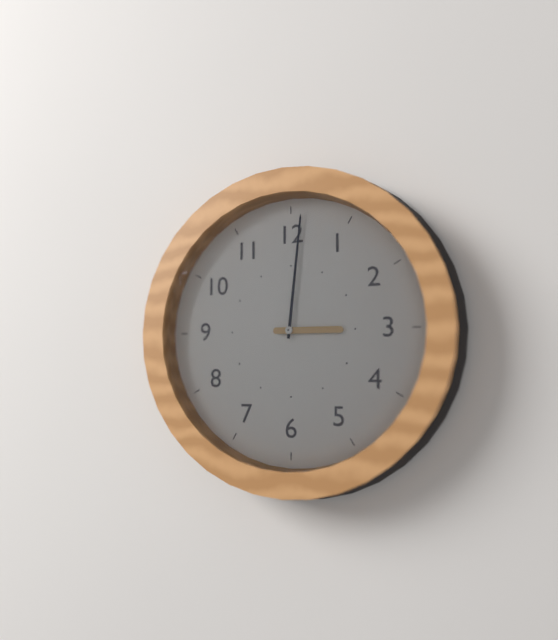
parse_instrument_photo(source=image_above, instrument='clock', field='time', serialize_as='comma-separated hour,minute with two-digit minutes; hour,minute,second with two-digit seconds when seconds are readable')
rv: 3,01
